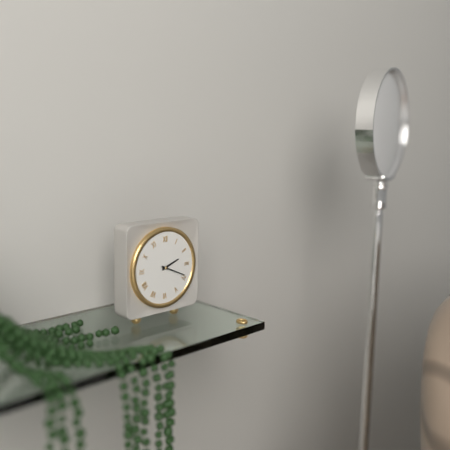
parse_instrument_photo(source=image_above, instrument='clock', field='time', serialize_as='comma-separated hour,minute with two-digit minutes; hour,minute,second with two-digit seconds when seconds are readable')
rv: 2,19
